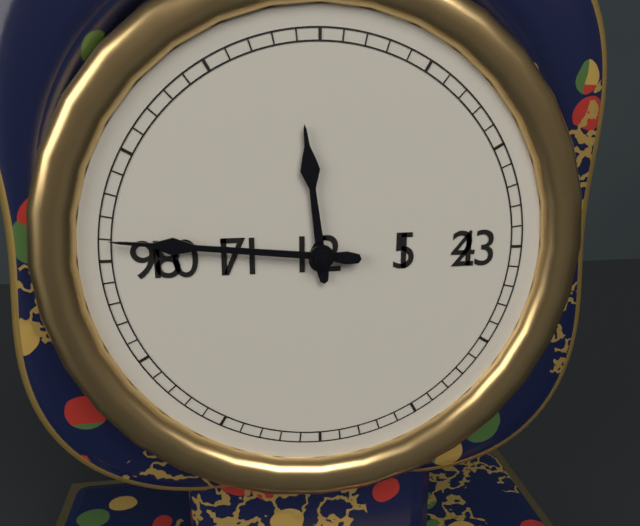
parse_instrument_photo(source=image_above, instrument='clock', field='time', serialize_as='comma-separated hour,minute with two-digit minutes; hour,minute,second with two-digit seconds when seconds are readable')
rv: 11,46
